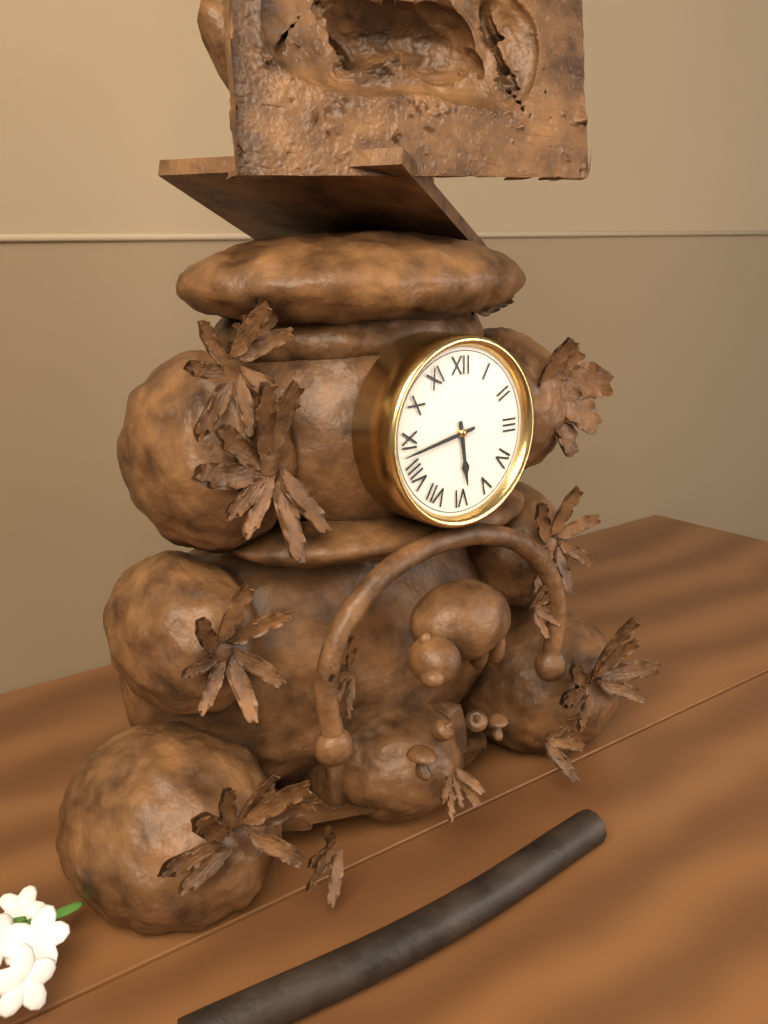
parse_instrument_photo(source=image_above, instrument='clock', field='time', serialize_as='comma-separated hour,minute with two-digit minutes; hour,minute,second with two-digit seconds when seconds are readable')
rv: 5,43
